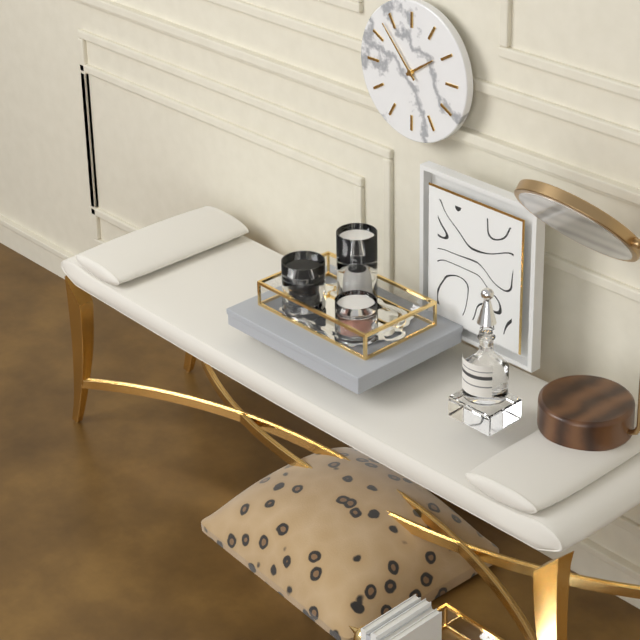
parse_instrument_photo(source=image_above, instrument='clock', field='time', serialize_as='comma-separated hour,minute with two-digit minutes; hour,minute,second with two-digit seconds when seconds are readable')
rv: 1,53
